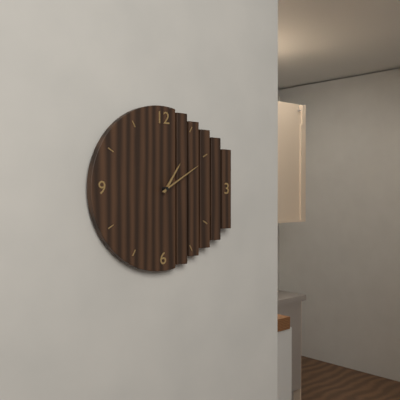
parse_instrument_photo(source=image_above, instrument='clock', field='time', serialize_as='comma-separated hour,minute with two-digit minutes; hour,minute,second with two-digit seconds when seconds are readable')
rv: 1,10
